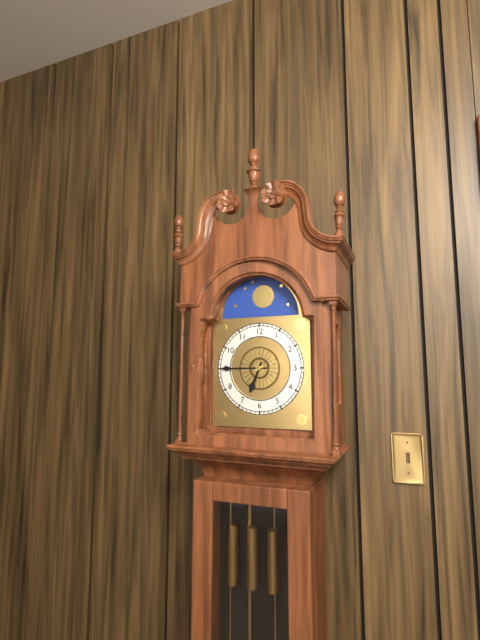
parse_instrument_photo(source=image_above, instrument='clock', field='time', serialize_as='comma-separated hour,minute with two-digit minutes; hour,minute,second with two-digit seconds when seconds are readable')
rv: 6,45
